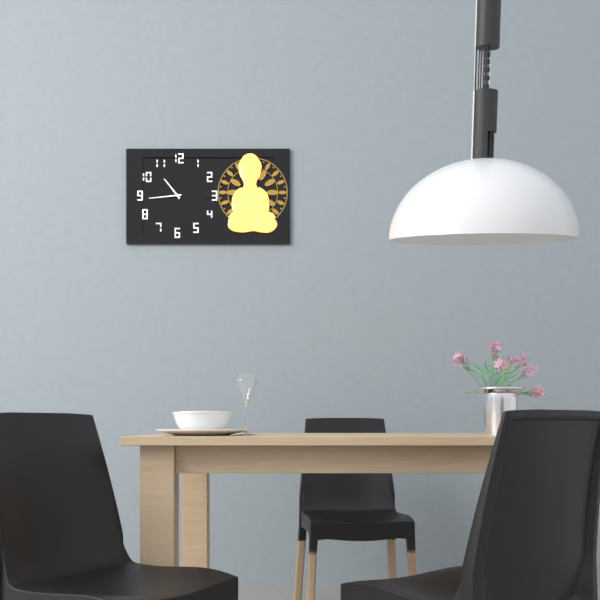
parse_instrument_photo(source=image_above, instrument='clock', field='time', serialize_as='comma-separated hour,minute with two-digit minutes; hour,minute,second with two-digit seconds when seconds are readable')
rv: 10,44
